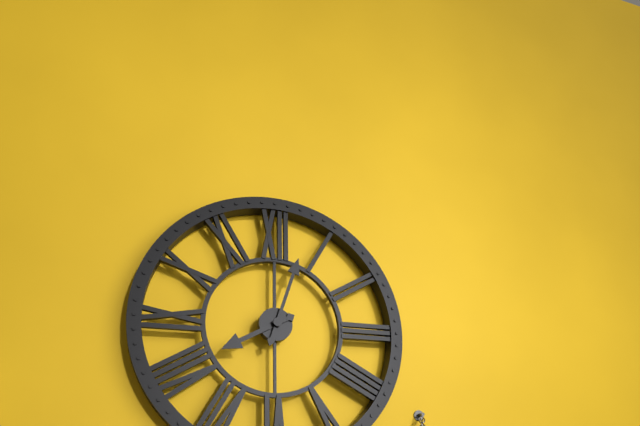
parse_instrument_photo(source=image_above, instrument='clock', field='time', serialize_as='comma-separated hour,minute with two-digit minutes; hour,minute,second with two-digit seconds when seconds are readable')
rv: 8,03
